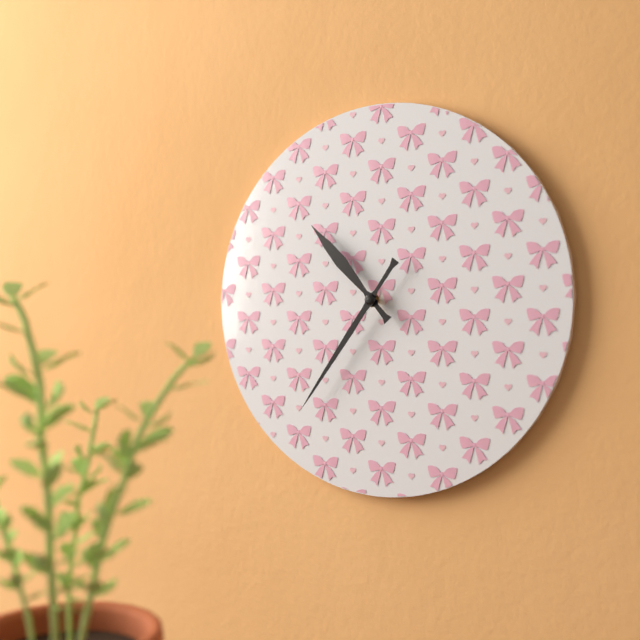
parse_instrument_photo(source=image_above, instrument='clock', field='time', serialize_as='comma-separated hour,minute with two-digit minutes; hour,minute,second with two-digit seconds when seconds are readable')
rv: 10,36
